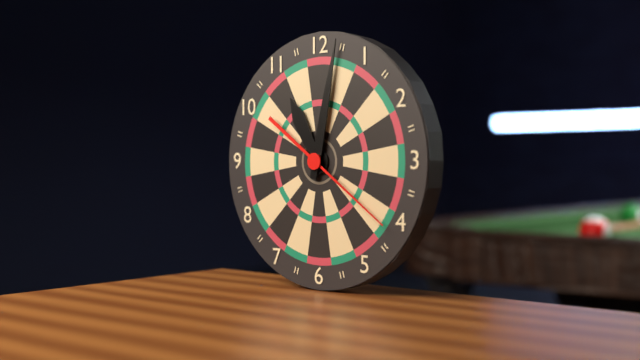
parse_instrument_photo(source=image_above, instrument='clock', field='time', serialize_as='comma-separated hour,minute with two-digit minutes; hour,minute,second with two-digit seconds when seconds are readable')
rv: 11,02,21
